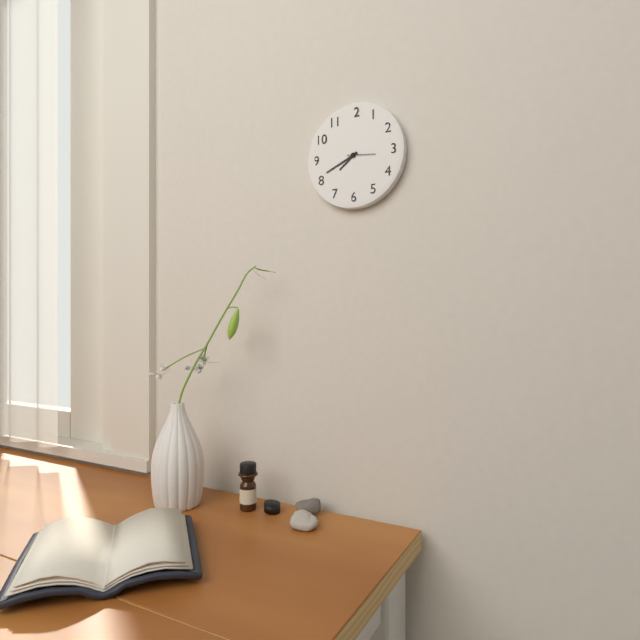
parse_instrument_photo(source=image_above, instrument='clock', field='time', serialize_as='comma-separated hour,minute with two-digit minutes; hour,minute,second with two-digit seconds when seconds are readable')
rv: 7,41
